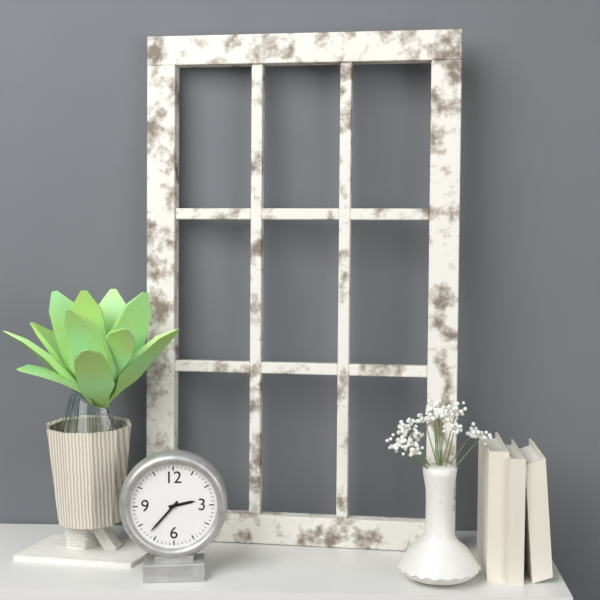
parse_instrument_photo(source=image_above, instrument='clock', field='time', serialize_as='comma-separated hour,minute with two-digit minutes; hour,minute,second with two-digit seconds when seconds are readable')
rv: 2,37
